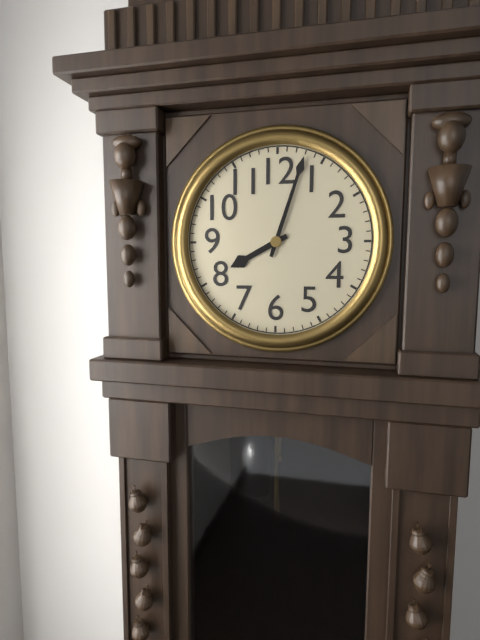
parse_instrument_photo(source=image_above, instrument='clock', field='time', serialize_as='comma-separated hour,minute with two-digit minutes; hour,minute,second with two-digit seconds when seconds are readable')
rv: 8,03
